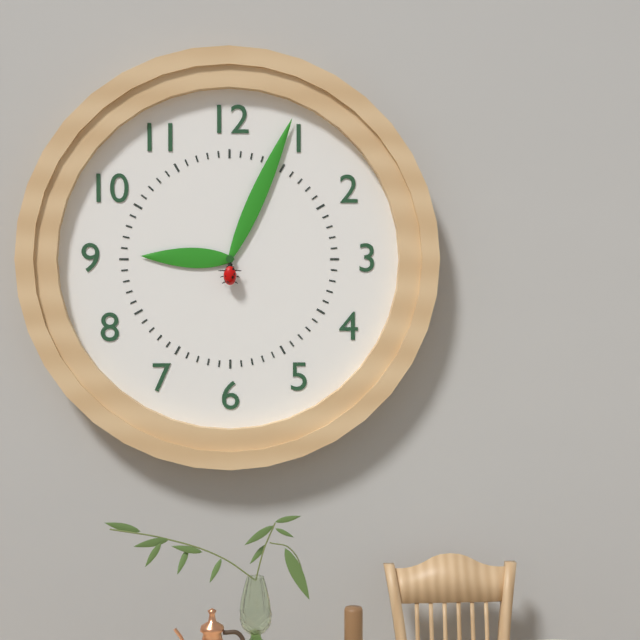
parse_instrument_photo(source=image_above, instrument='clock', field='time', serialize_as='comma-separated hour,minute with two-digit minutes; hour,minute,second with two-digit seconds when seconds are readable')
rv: 9,04
